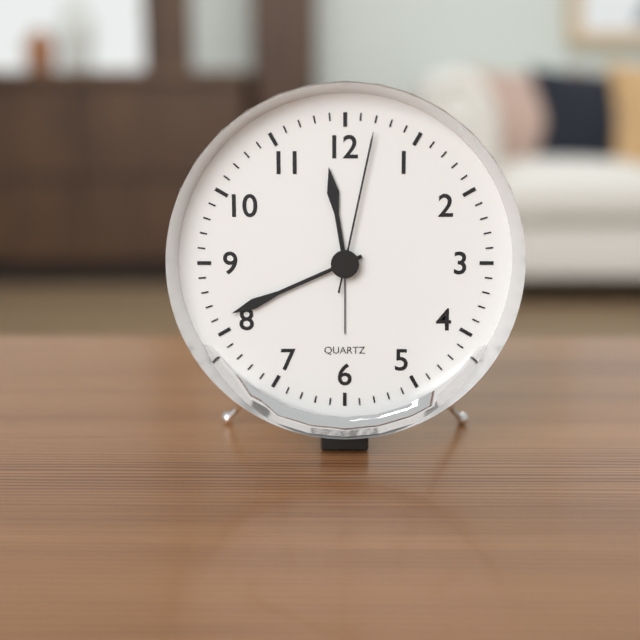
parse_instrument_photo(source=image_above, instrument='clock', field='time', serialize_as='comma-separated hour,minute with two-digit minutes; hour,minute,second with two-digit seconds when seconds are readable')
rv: 11,41,02
